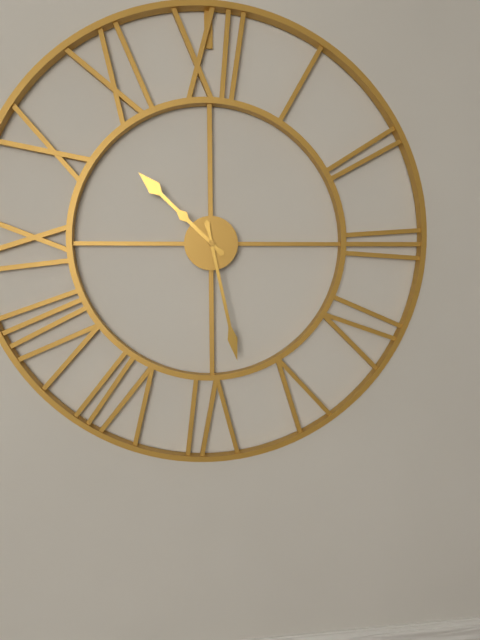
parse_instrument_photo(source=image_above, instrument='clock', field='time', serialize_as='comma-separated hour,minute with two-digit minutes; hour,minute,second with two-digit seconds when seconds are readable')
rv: 10,28
